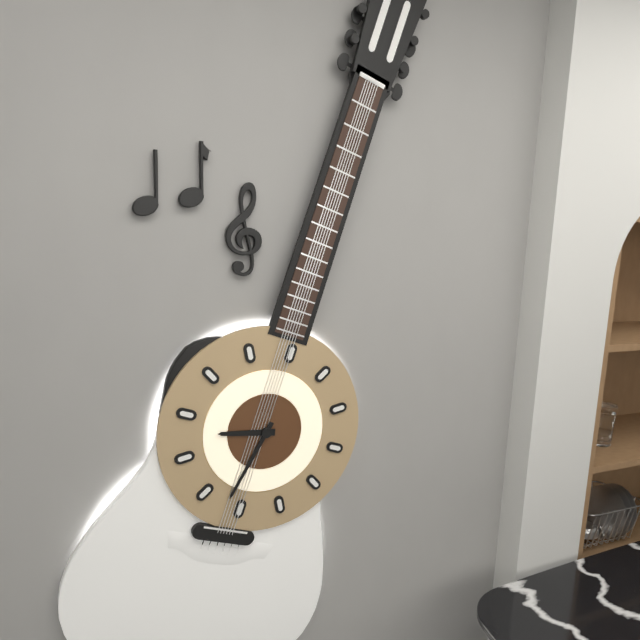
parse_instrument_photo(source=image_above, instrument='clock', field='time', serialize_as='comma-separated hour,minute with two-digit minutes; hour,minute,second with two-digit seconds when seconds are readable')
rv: 8,32
